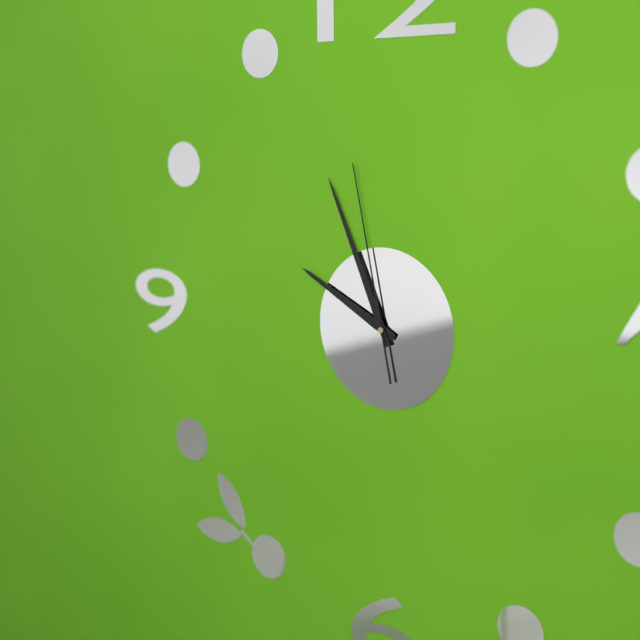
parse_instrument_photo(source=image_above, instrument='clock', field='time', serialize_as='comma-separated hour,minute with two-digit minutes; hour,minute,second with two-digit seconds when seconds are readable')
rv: 9,56,58
